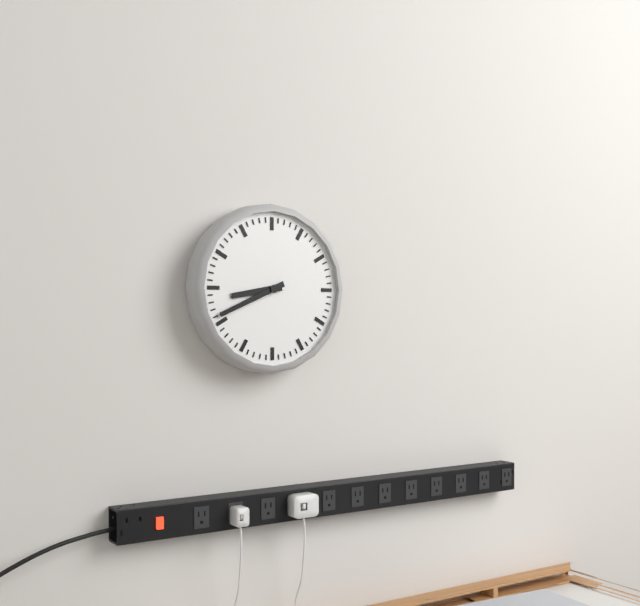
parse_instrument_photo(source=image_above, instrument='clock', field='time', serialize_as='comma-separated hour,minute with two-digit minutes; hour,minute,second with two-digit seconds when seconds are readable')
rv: 8,41
